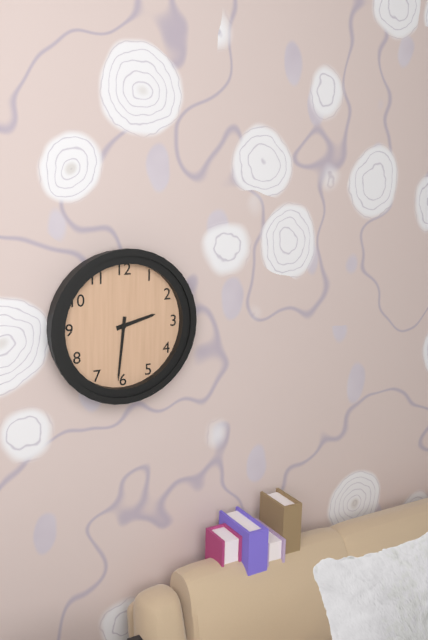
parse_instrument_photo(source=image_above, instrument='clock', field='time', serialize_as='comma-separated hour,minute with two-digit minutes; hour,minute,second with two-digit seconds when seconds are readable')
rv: 2,31
